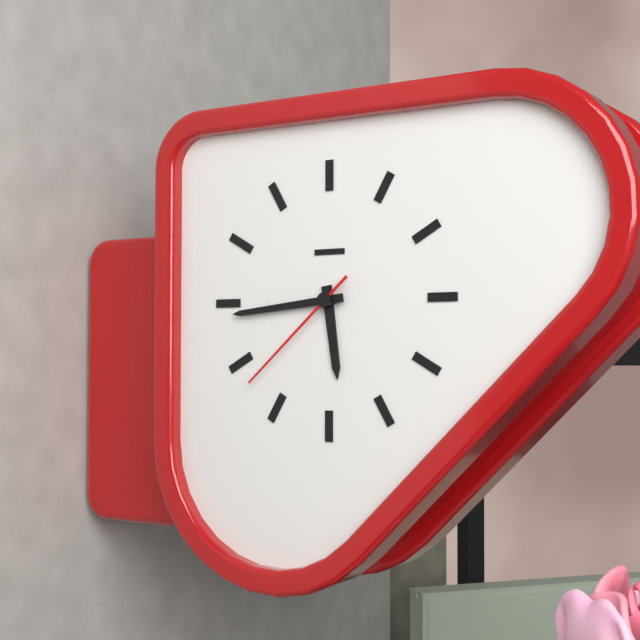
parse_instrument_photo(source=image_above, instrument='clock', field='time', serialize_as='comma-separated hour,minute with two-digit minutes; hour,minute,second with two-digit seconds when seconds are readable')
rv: 5,44,38
